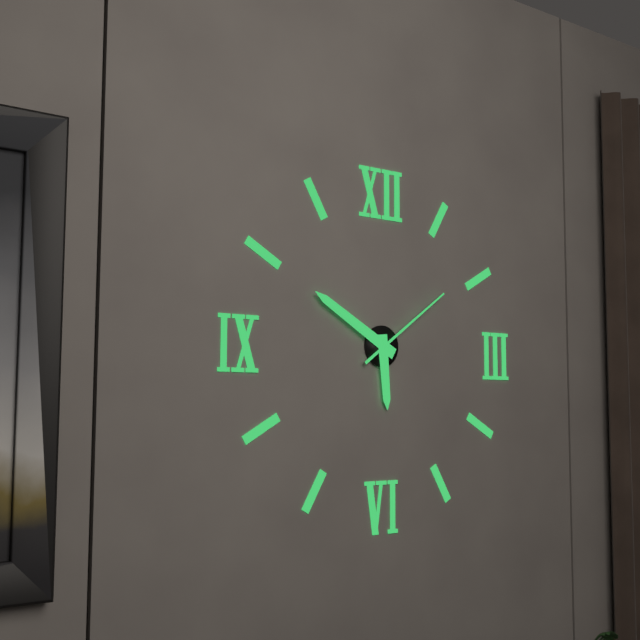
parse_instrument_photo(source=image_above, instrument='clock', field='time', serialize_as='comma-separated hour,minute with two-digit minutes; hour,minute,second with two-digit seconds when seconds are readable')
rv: 5,50,09
